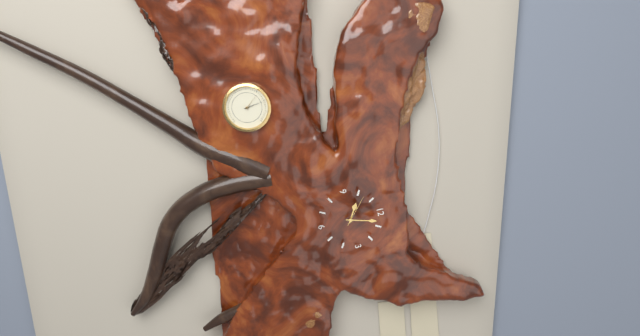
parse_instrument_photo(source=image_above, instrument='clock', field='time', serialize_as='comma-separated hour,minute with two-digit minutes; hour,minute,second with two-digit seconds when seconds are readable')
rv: 10,03
